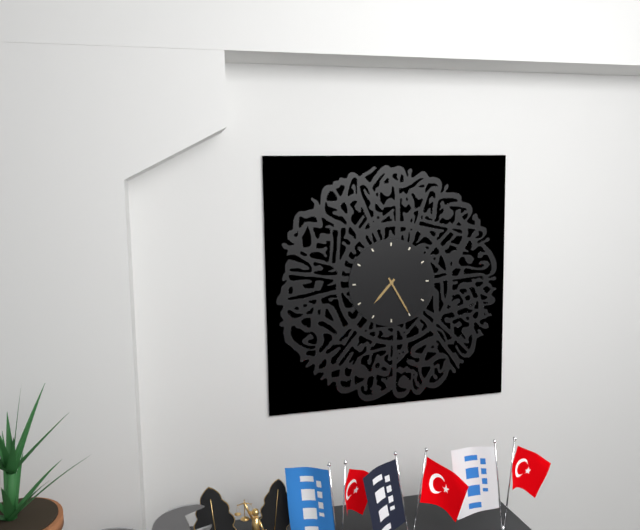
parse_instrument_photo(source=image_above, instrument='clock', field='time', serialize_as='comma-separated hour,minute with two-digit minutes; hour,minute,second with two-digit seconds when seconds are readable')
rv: 7,25
